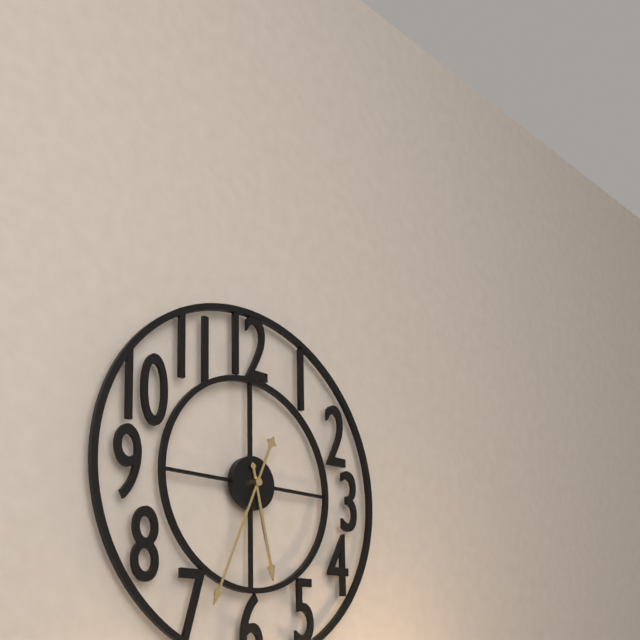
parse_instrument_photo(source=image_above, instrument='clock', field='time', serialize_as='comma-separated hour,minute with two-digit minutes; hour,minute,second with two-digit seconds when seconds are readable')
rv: 5,34
